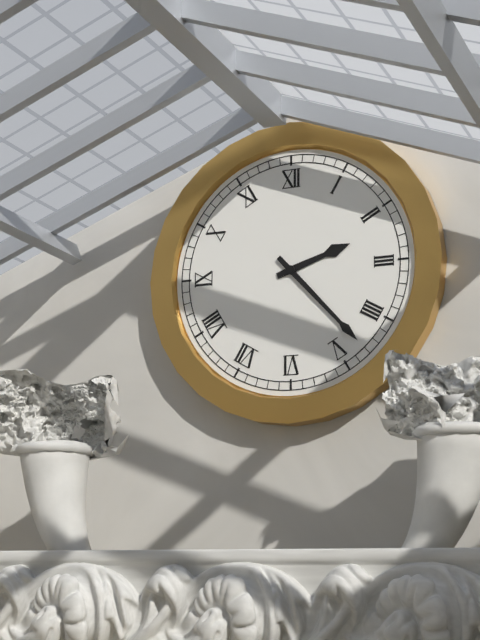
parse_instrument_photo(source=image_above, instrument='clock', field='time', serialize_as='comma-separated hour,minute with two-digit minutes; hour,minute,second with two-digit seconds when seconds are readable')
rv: 2,23
